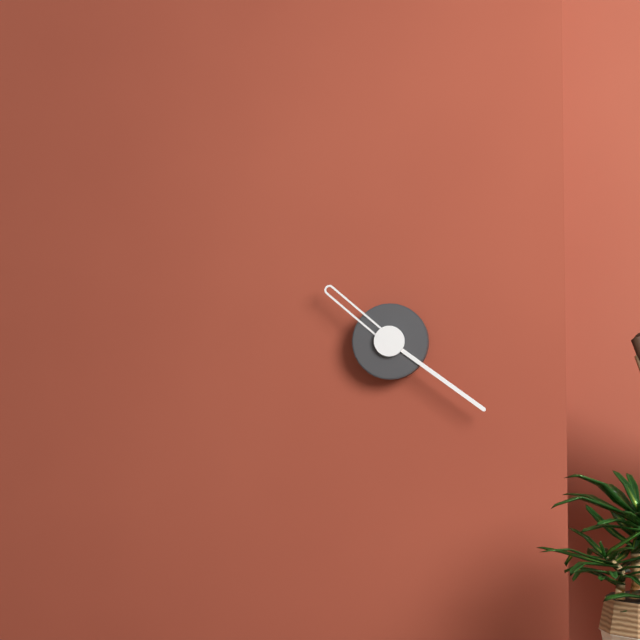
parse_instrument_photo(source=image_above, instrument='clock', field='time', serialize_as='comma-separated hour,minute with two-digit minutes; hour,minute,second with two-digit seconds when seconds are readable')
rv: 10,21
